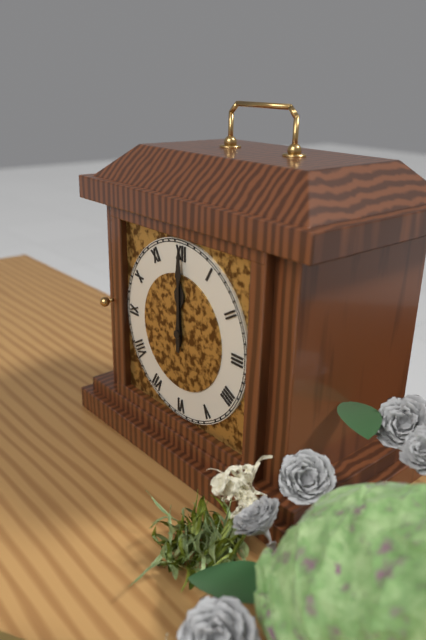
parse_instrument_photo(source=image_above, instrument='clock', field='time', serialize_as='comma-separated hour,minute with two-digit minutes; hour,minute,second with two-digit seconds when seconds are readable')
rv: 12,00
